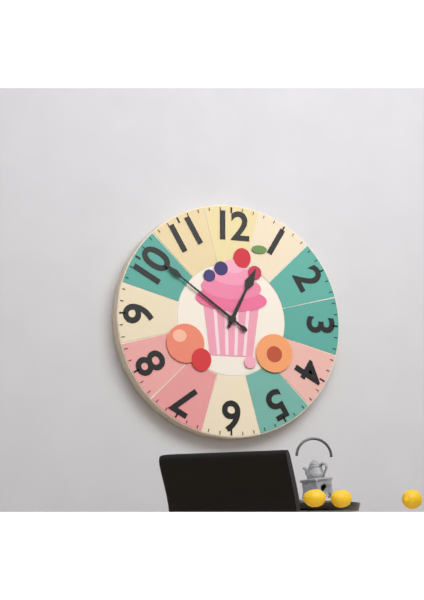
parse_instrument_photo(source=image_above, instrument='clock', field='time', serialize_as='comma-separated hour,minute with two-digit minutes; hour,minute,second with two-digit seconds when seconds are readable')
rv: 12,51
